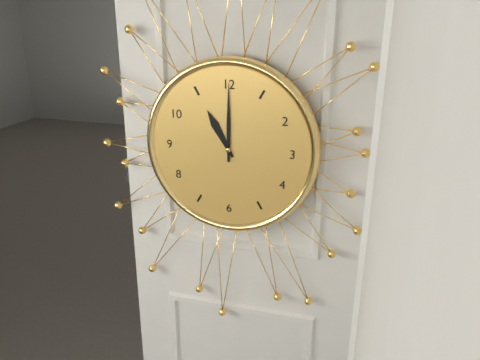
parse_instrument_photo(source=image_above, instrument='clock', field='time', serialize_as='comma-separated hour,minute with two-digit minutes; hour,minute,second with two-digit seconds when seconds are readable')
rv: 11,00
